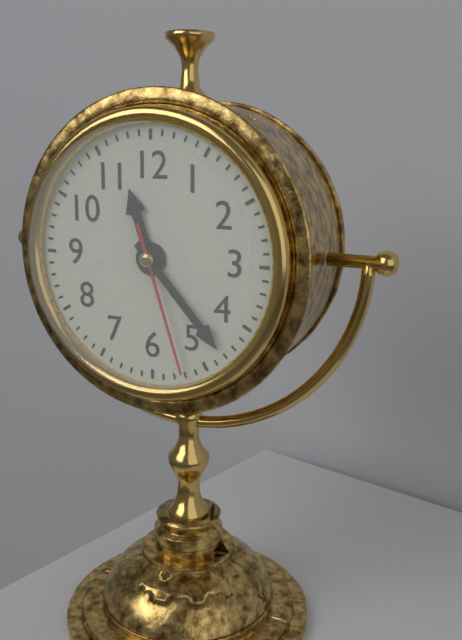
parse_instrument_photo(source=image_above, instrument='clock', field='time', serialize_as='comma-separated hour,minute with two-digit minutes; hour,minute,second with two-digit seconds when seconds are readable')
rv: 11,23,27
